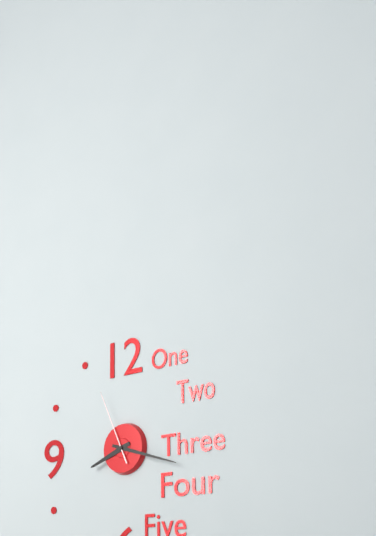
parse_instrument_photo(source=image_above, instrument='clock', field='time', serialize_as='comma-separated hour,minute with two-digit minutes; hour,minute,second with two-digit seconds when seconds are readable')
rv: 8,18,56
